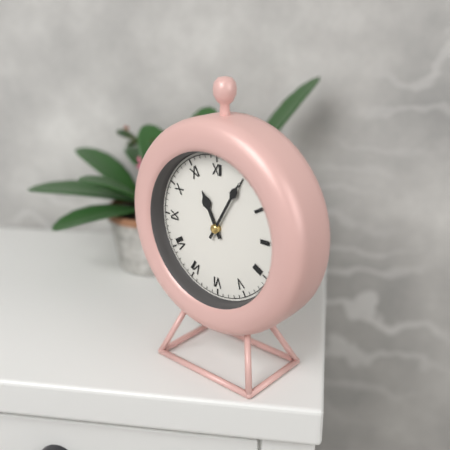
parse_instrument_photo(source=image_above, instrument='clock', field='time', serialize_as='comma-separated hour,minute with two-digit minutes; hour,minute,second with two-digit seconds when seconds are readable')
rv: 11,05
